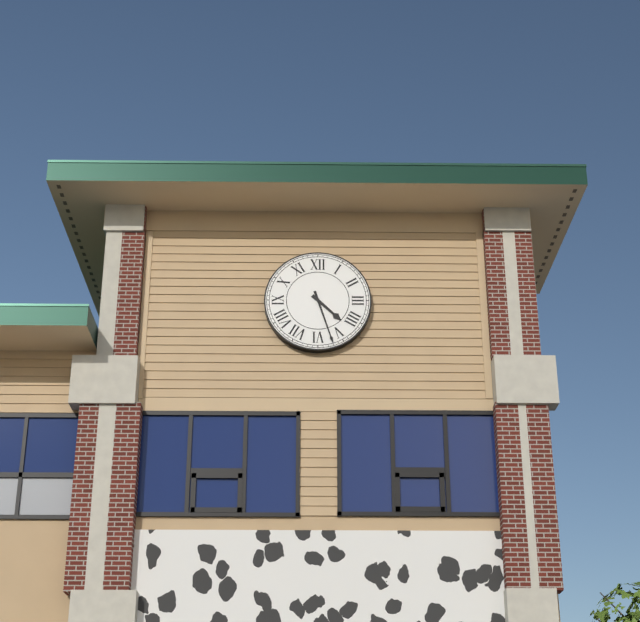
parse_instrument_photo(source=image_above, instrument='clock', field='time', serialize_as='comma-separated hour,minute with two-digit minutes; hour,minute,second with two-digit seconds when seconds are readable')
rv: 4,27
